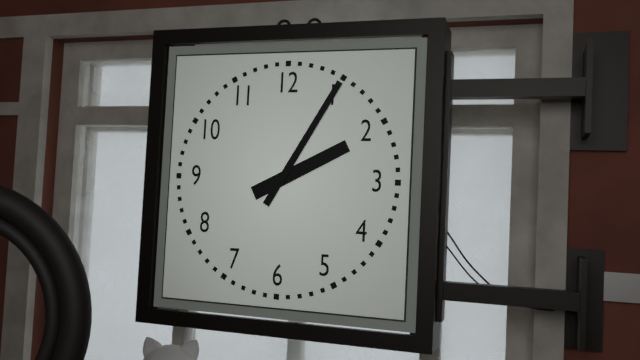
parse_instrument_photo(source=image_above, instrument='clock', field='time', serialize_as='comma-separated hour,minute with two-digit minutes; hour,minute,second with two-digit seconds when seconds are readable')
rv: 2,05
